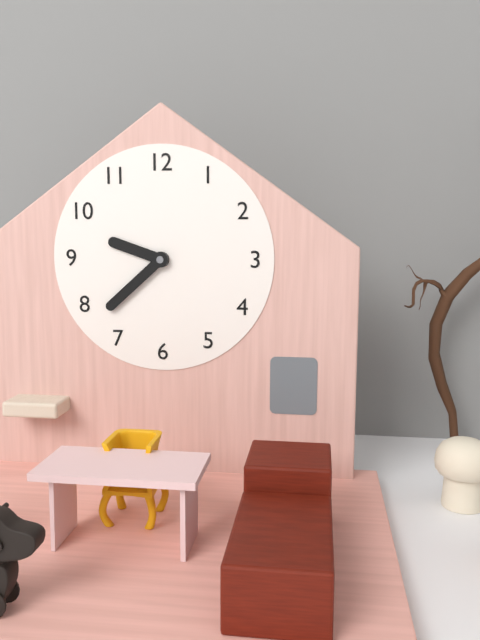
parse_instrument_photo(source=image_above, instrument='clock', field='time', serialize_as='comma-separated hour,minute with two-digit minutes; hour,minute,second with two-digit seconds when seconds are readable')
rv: 9,38
